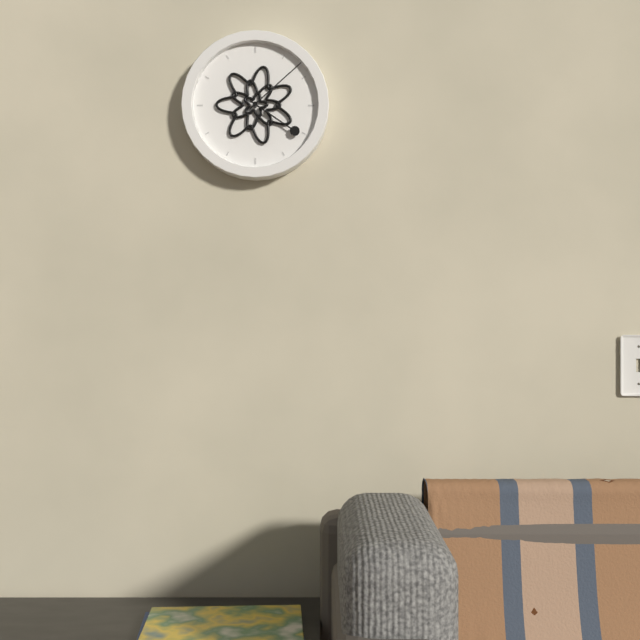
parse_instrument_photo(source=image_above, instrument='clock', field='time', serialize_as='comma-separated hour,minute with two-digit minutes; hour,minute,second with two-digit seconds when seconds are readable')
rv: 4,08
